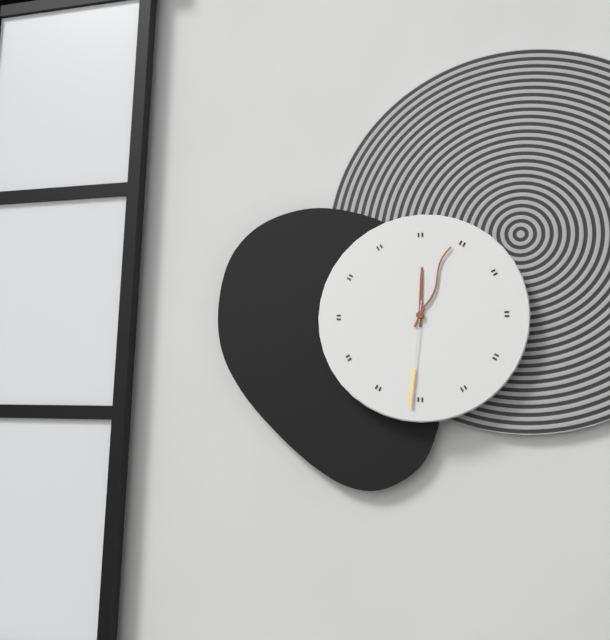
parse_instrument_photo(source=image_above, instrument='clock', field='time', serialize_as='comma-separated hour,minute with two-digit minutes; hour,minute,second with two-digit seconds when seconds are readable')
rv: 12,04,31
